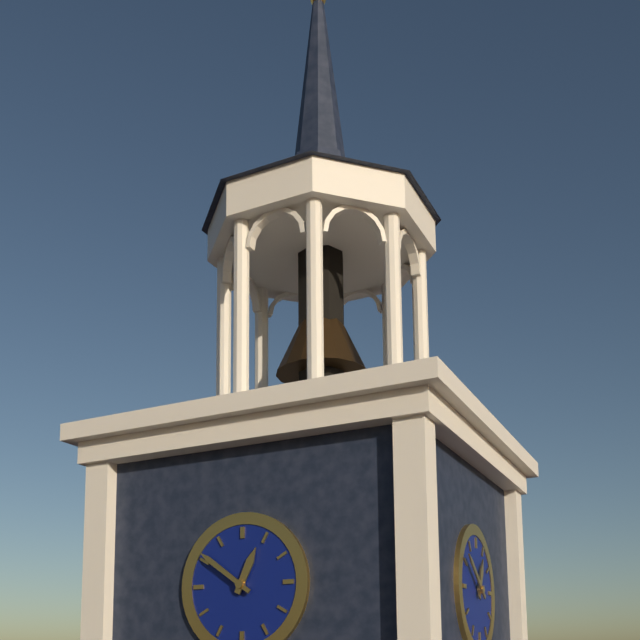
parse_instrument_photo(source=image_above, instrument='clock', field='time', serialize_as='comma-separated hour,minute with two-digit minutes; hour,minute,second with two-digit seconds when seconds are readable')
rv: 12,51
